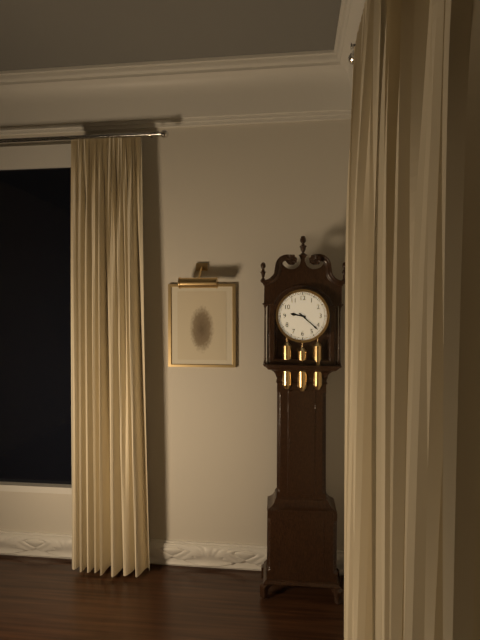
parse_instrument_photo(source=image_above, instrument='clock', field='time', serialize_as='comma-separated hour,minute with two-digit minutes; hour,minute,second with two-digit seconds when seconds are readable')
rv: 9,22
